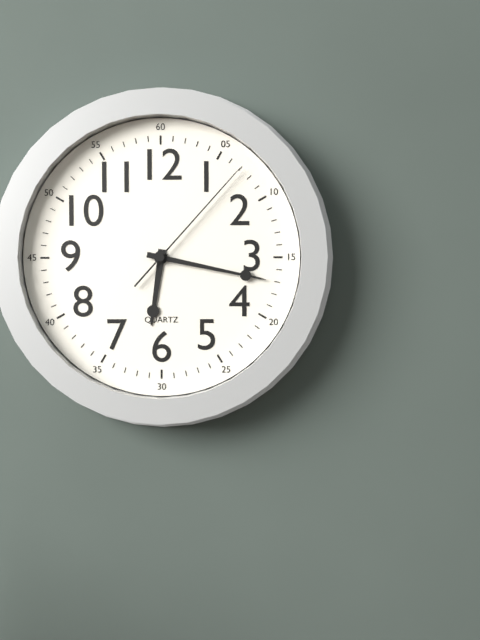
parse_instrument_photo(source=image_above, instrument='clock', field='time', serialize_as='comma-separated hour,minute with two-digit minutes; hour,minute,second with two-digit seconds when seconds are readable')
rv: 6,17,07
